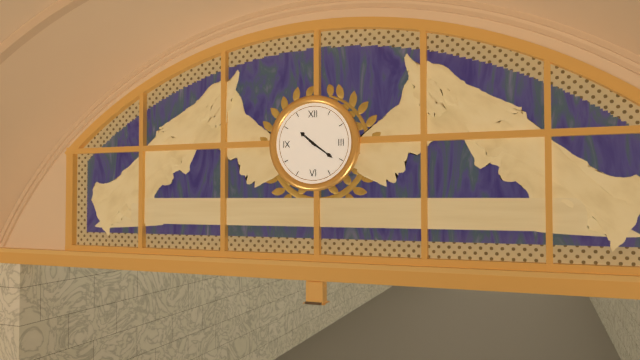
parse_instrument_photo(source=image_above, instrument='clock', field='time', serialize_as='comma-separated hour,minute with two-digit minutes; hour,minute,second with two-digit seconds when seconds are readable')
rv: 10,21
